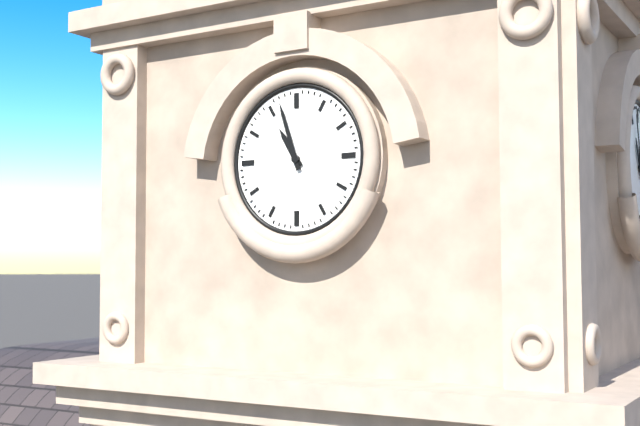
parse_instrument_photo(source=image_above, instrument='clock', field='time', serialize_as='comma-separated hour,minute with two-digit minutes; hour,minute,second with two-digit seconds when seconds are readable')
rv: 10,57
